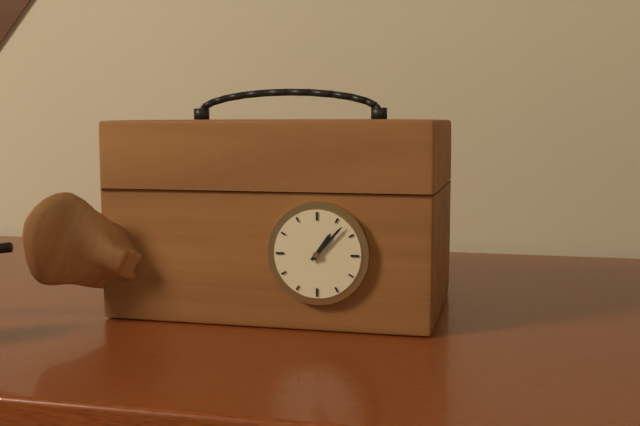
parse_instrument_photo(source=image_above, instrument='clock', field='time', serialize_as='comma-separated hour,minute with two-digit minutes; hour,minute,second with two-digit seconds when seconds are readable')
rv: 1,07
